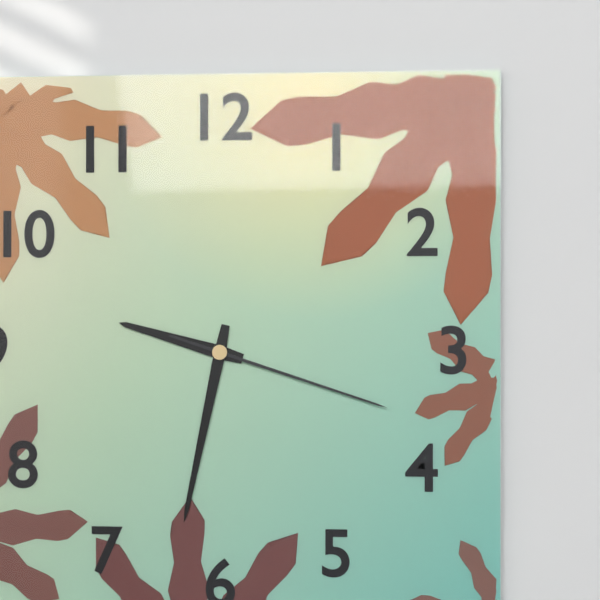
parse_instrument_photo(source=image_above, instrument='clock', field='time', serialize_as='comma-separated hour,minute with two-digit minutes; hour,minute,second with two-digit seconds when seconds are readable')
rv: 9,32,18
